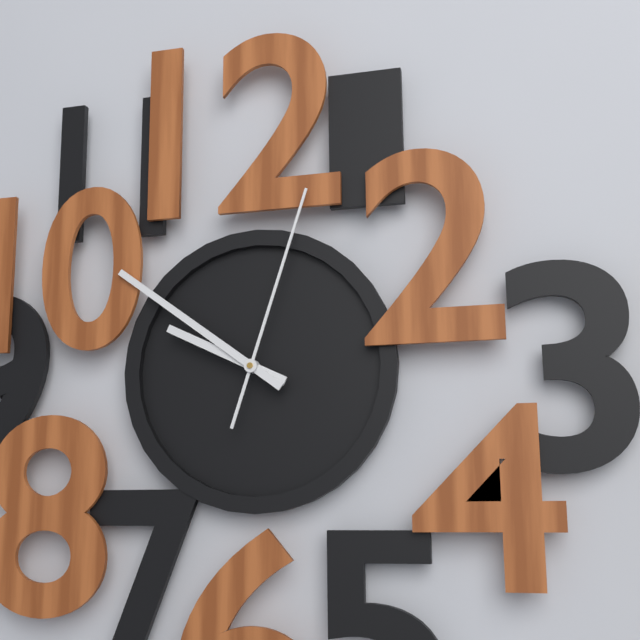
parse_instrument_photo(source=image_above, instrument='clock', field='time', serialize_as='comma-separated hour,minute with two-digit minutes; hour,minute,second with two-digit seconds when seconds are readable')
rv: 9,51,03
